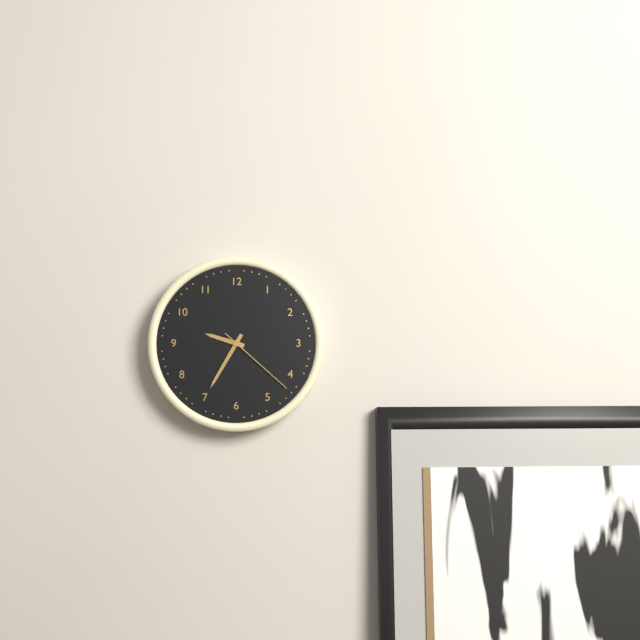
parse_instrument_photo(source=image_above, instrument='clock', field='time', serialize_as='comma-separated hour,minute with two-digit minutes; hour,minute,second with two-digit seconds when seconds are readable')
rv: 9,35,22
